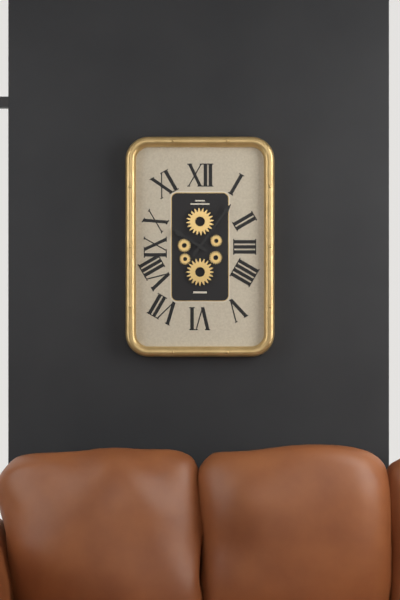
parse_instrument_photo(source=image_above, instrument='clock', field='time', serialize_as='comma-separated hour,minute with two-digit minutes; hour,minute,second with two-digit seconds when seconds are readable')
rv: 10,06
